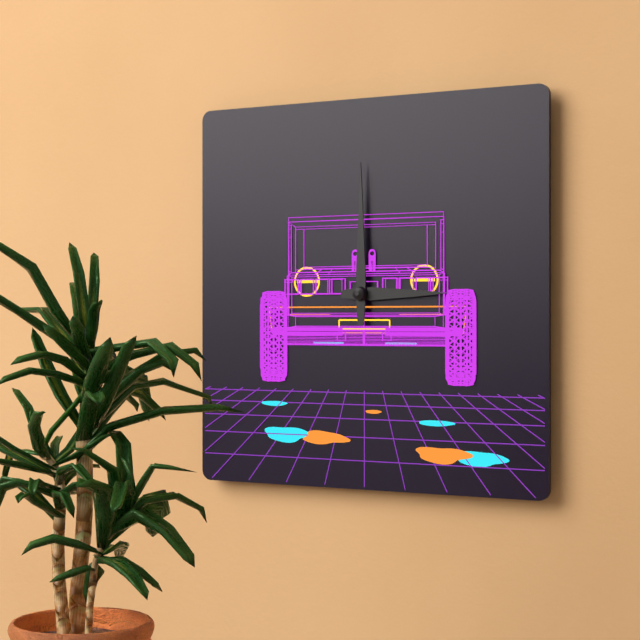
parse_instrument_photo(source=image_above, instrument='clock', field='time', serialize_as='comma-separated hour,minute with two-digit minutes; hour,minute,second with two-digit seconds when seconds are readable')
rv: 3,00
